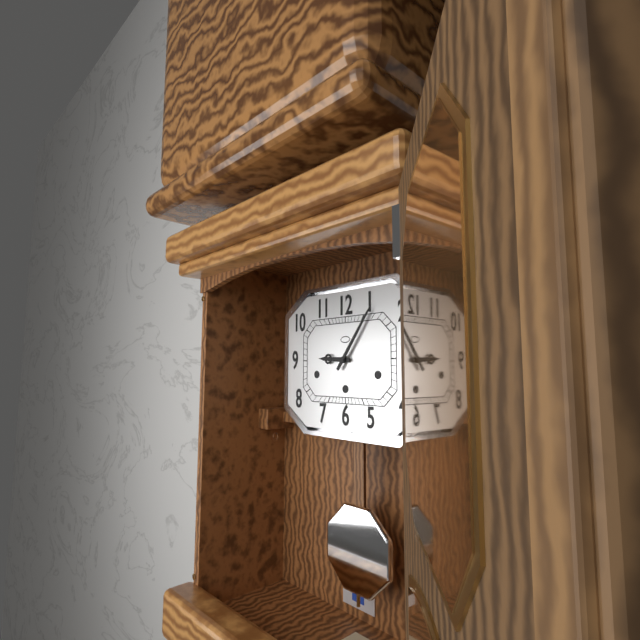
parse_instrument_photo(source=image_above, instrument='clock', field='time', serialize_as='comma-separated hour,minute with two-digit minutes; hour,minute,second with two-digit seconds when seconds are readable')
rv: 9,06
